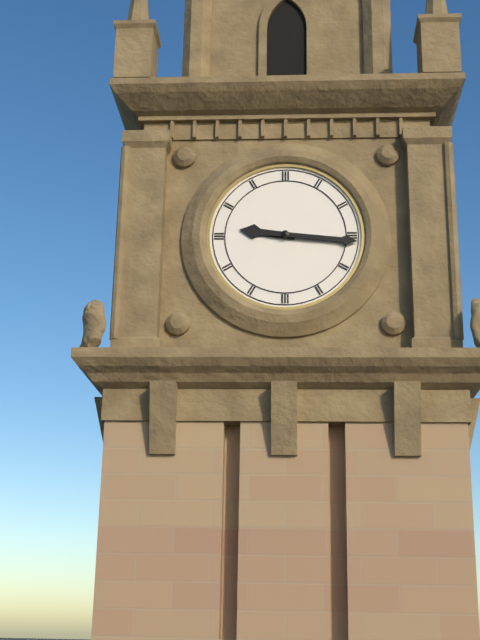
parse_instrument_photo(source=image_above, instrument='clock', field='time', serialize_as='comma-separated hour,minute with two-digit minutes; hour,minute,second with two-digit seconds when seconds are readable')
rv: 9,16
